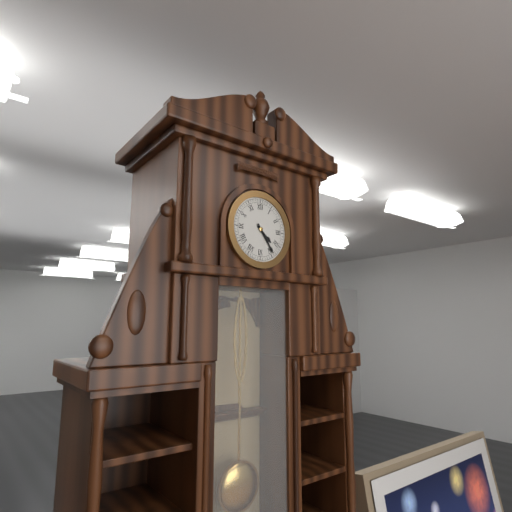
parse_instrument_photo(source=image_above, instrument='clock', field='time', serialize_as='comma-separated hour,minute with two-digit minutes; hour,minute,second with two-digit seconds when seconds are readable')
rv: 4,24
